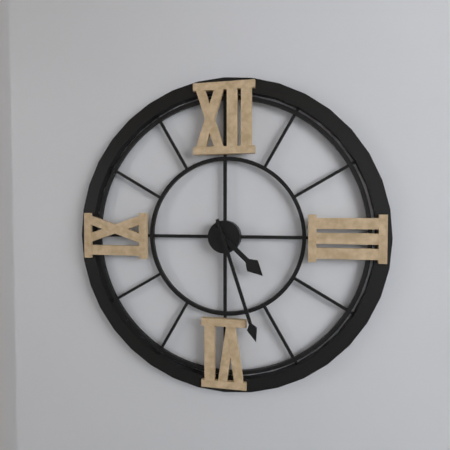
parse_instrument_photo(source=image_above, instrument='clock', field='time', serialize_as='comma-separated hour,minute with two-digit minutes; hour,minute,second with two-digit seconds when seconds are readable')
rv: 4,27
